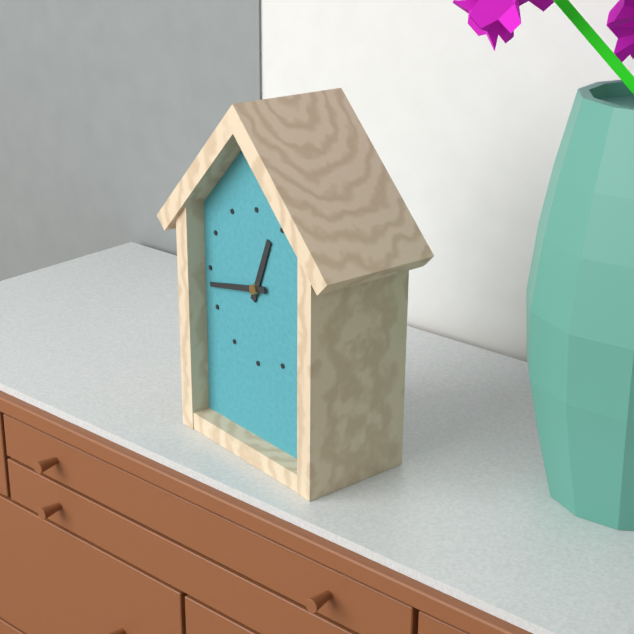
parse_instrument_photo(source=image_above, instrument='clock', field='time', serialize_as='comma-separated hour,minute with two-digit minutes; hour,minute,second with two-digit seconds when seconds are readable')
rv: 12,43
